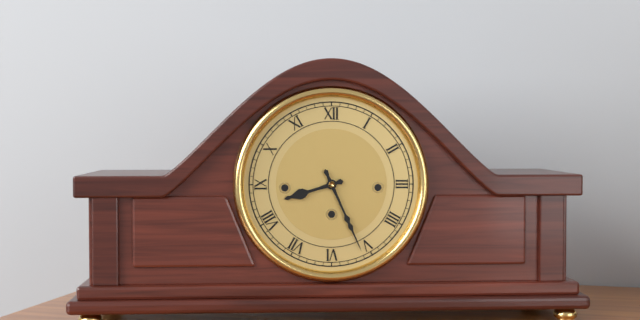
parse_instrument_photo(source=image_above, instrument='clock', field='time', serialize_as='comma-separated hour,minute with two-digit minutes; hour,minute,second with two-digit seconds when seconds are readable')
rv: 8,26
